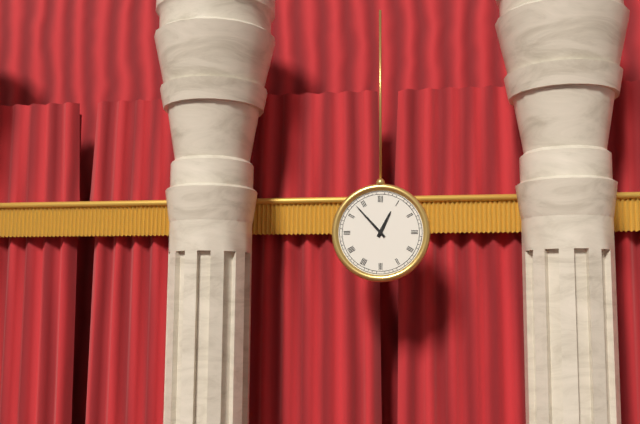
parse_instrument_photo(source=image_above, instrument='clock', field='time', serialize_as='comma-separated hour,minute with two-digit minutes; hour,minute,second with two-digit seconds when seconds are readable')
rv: 12,53
